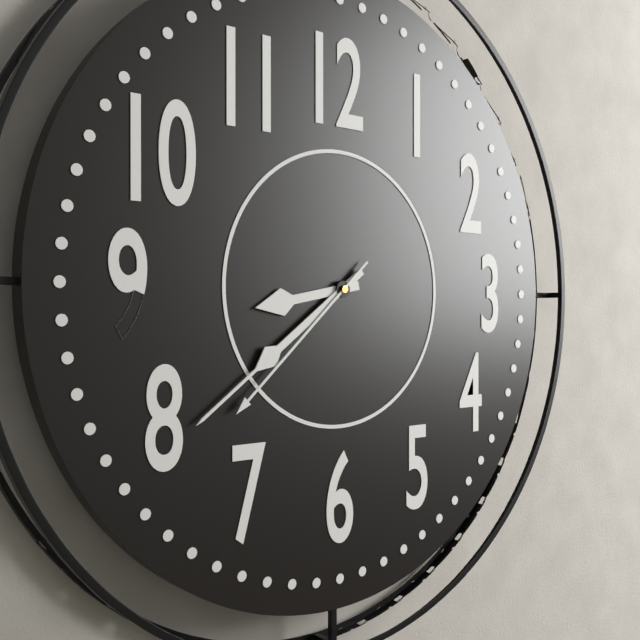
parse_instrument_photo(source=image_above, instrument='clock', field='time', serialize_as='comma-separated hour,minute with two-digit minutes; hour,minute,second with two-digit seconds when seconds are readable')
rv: 8,39,38
